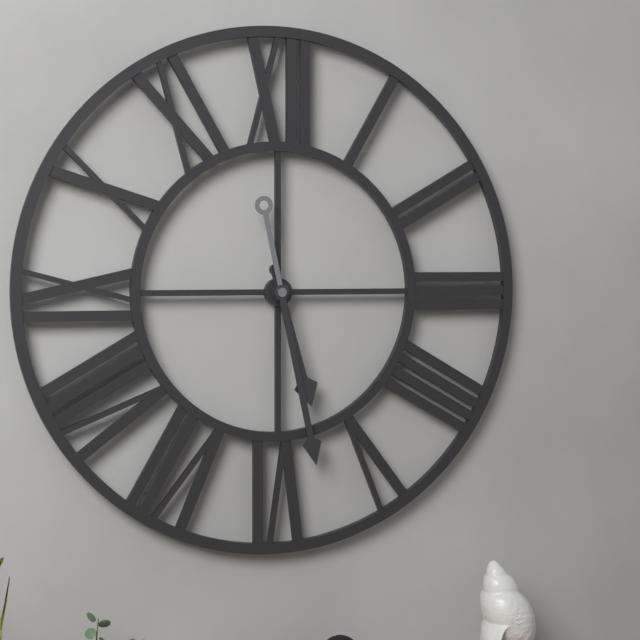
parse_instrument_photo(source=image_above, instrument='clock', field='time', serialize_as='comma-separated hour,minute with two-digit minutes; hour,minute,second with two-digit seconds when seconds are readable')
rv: 5,28
